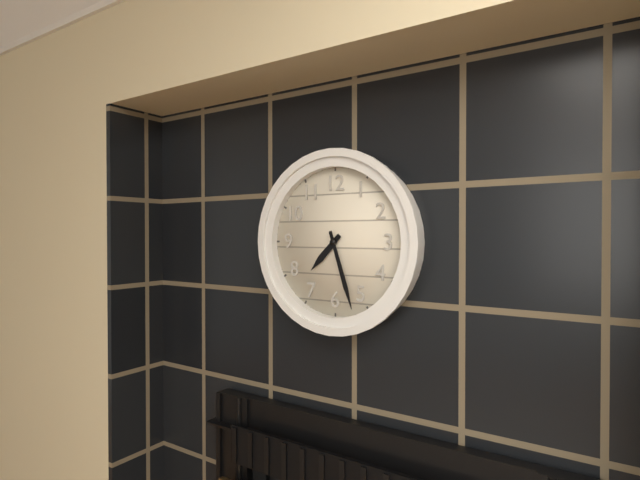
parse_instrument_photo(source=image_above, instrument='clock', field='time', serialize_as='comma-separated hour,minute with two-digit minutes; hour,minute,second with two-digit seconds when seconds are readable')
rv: 7,27
